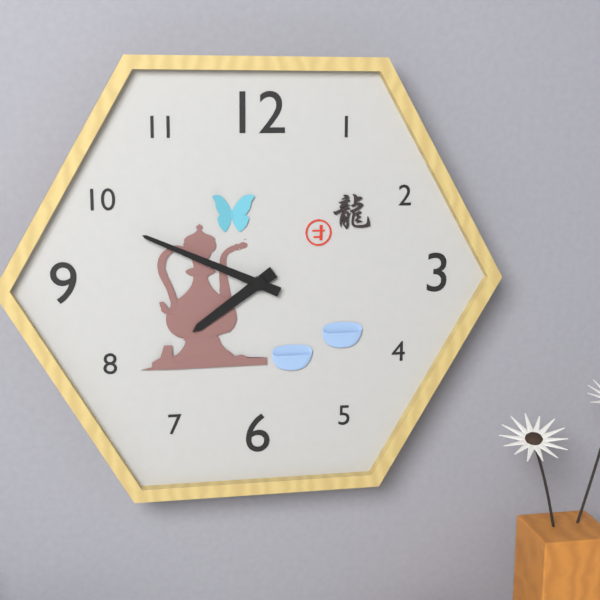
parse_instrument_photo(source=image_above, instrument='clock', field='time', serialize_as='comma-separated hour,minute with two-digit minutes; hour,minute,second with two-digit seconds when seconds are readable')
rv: 7,49
